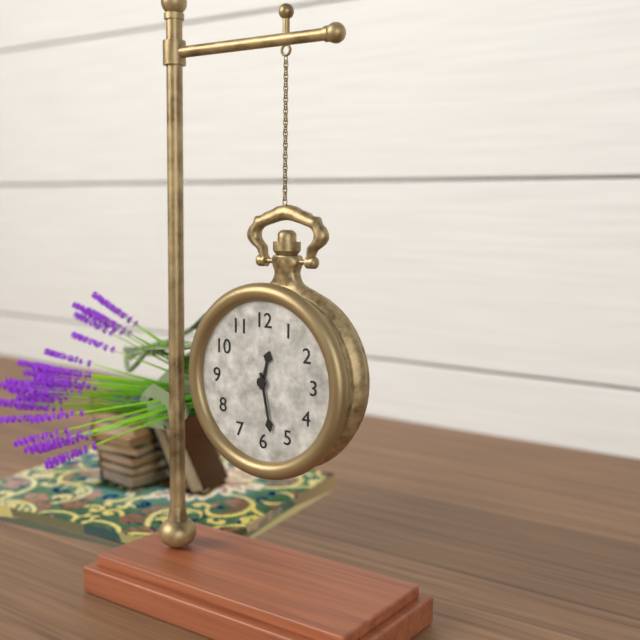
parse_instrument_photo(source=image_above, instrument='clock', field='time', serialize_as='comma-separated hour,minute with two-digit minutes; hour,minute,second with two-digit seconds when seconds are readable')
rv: 12,28
